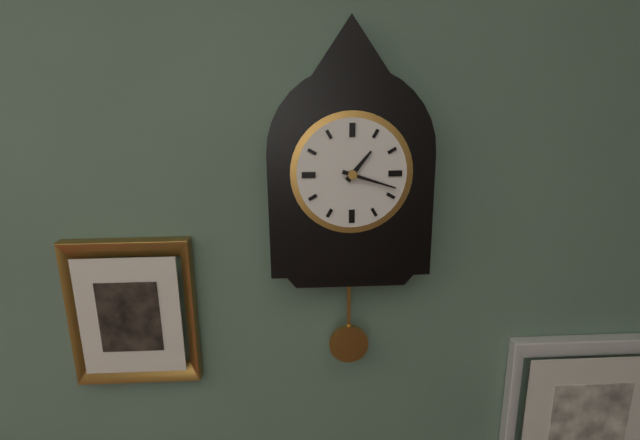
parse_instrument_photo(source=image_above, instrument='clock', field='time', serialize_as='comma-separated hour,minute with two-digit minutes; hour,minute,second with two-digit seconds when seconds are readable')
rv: 1,18
